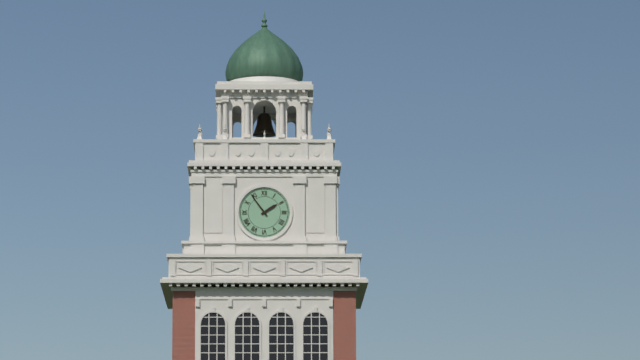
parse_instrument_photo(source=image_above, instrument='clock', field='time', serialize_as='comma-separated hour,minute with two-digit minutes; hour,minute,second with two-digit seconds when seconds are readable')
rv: 1,54
